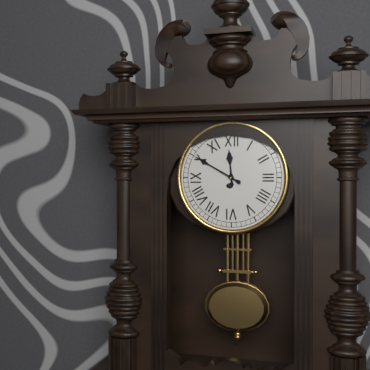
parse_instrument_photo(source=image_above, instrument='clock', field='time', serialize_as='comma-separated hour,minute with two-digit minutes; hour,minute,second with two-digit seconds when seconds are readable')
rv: 11,50
